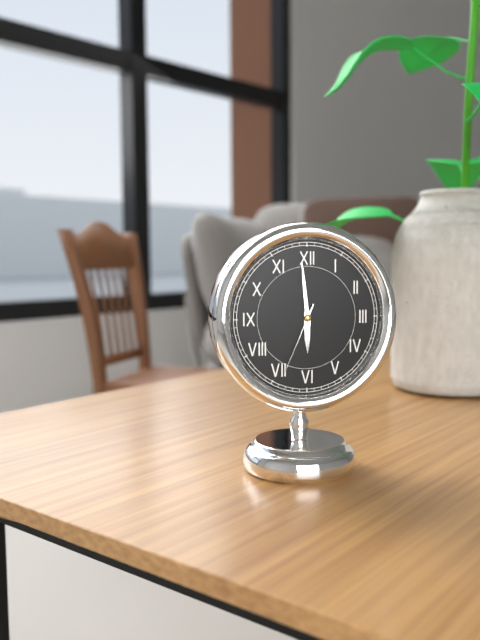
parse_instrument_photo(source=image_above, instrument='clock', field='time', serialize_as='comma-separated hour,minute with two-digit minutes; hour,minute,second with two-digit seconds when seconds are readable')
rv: 5,59,34
